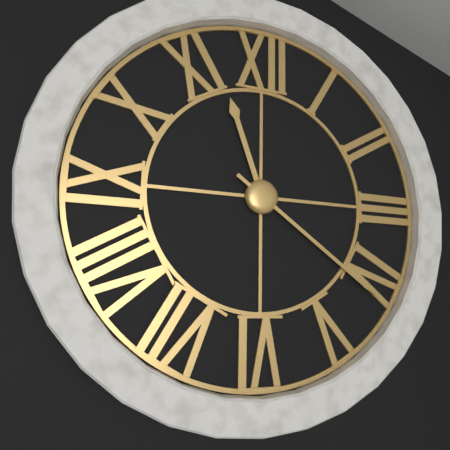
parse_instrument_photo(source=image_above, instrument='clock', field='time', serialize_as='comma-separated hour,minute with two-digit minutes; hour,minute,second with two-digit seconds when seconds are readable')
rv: 11,21
